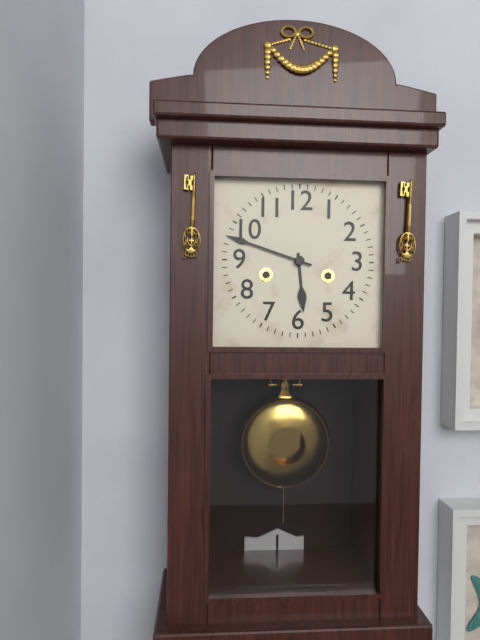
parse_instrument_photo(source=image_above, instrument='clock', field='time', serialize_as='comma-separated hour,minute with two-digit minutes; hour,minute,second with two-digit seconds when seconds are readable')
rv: 5,48
